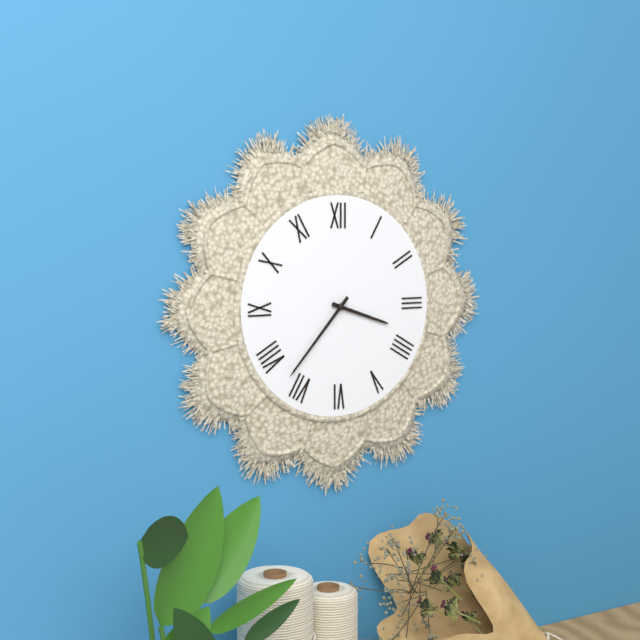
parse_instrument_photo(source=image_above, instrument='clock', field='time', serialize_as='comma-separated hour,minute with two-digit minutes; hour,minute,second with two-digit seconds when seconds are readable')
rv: 3,37
